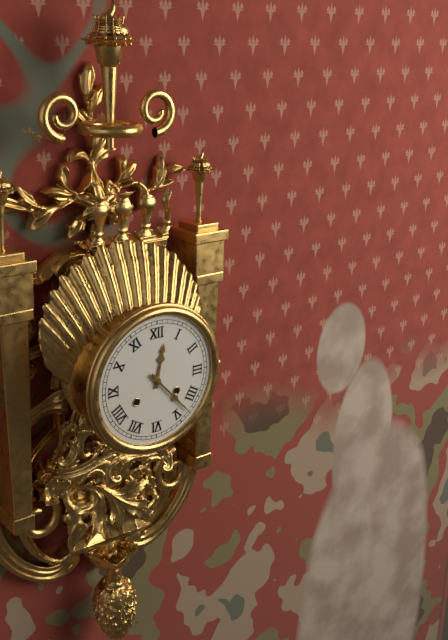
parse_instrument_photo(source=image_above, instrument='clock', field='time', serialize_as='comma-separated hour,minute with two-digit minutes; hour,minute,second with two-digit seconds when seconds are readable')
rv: 12,23
